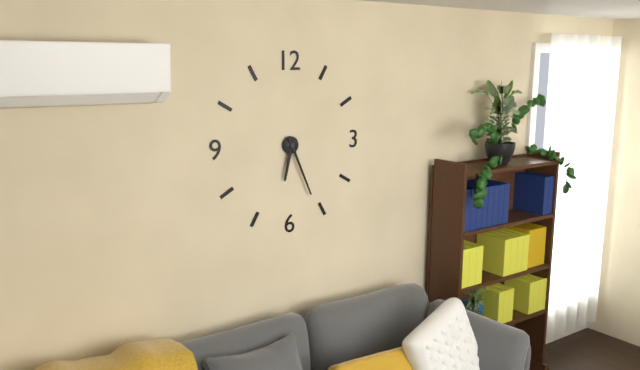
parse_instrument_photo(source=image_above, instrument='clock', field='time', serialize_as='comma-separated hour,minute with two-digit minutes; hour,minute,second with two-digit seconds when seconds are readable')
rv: 6,26
